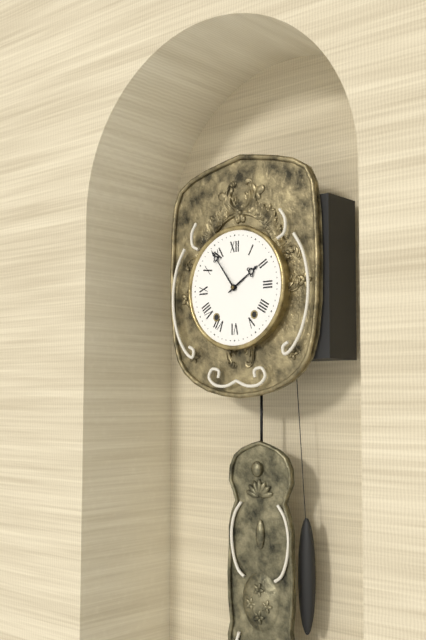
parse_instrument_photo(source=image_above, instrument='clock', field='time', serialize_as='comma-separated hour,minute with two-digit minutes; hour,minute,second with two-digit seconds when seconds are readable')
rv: 1,54
